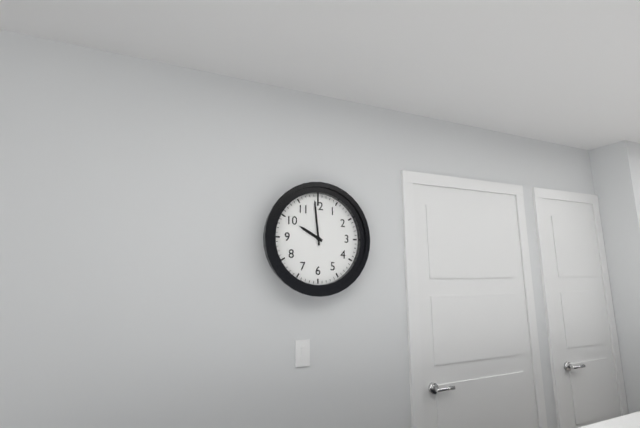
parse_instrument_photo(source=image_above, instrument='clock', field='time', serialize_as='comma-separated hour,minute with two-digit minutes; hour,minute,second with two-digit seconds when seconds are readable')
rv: 9,59
